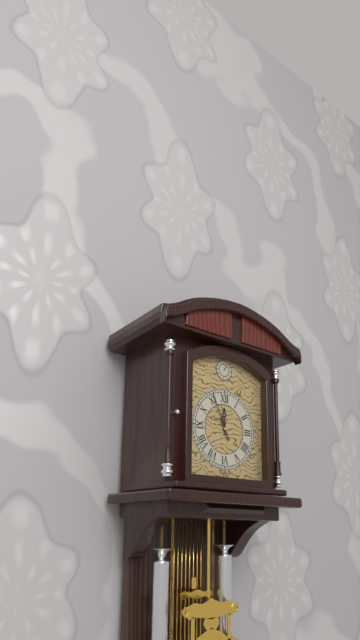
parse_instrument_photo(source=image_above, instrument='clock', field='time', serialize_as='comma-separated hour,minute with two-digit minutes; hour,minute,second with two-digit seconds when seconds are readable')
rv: 11,56
